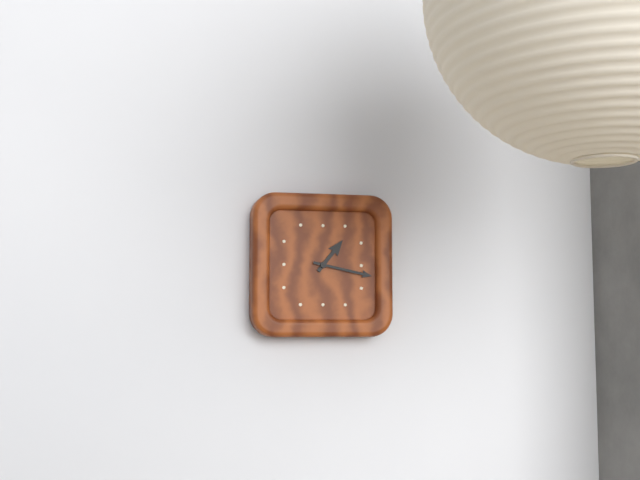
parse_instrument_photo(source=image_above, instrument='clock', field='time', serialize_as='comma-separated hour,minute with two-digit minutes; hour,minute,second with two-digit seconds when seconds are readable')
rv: 1,17
